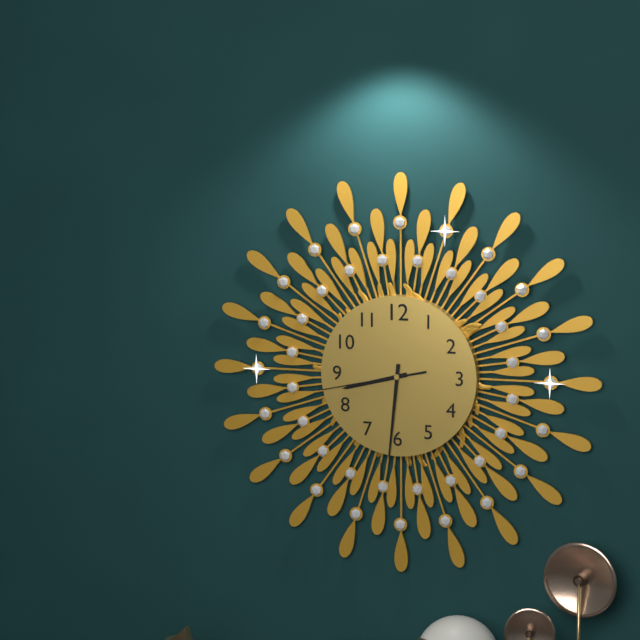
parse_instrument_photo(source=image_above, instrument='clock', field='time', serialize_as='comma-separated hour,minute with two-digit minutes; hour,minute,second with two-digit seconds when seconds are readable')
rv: 8,31,43
